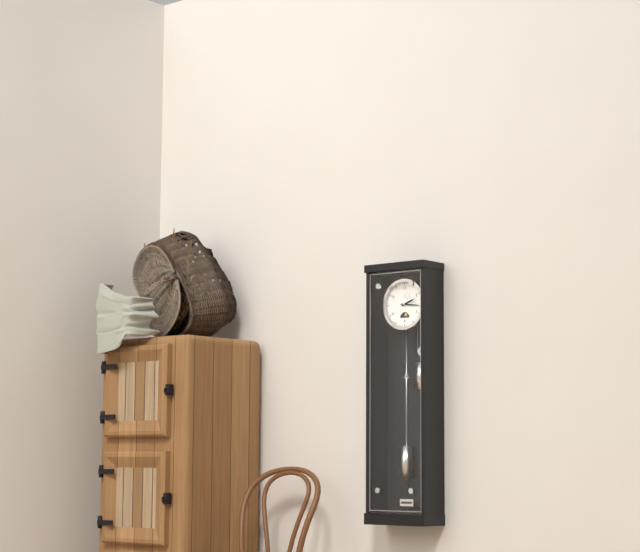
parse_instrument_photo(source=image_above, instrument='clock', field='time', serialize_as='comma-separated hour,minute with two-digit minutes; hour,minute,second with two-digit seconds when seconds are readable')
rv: 2,16
